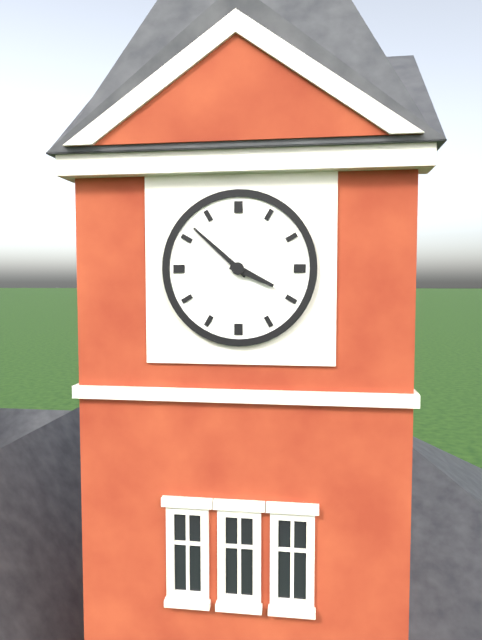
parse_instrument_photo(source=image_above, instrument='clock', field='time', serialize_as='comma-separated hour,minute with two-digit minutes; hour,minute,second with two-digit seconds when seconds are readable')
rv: 3,52
